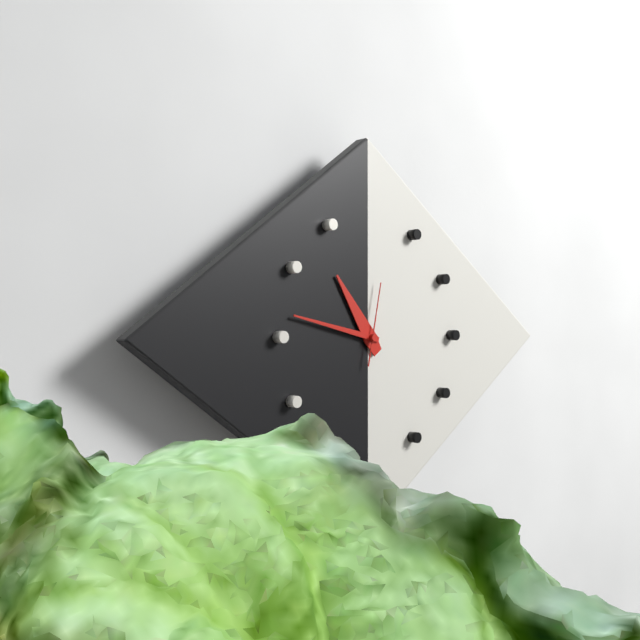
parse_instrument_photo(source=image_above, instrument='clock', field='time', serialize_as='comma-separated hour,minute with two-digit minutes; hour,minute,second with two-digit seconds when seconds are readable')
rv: 10,47,02
